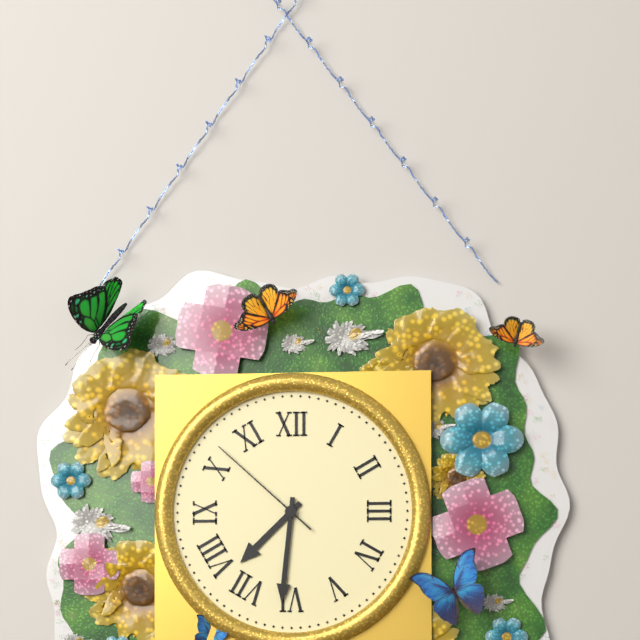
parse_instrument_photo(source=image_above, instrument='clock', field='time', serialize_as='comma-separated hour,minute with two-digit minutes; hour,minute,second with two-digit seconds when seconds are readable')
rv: 7,31,52
